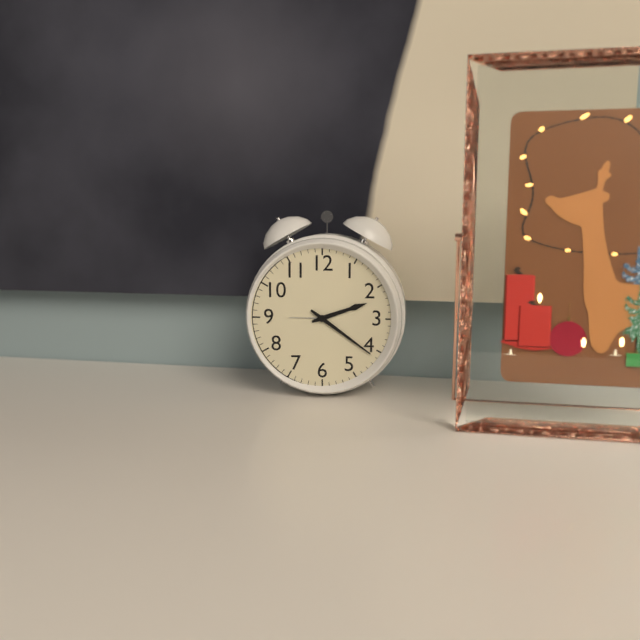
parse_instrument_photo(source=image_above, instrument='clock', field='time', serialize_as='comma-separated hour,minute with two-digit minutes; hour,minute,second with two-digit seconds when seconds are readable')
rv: 2,21
